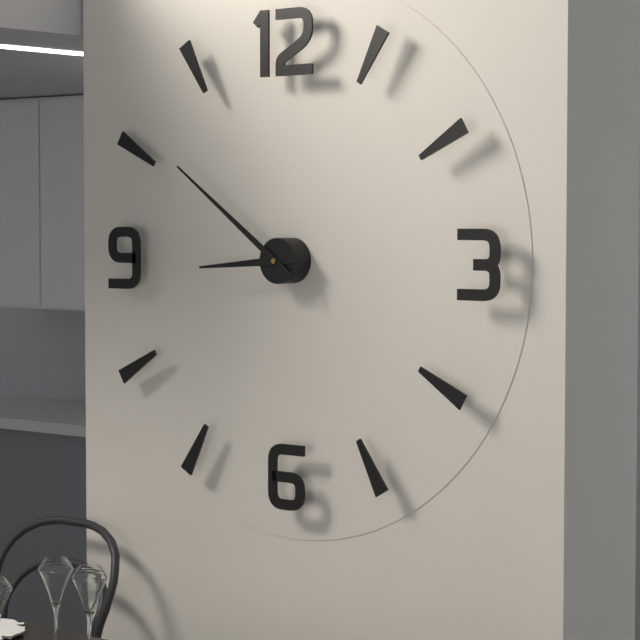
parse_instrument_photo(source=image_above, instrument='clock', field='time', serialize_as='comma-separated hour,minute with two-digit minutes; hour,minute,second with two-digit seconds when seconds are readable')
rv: 8,51
